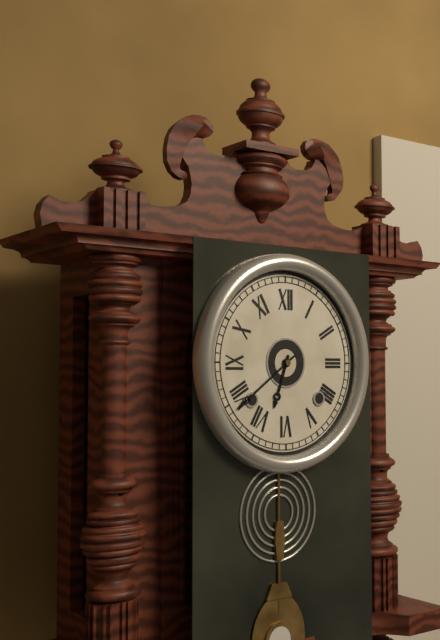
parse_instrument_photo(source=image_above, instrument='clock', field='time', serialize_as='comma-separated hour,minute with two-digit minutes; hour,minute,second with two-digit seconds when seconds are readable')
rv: 6,39
